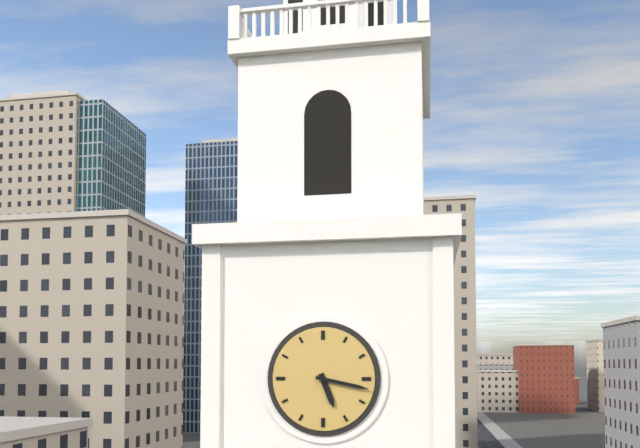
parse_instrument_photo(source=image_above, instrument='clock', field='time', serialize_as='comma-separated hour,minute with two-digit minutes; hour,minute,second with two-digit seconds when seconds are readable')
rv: 5,17
